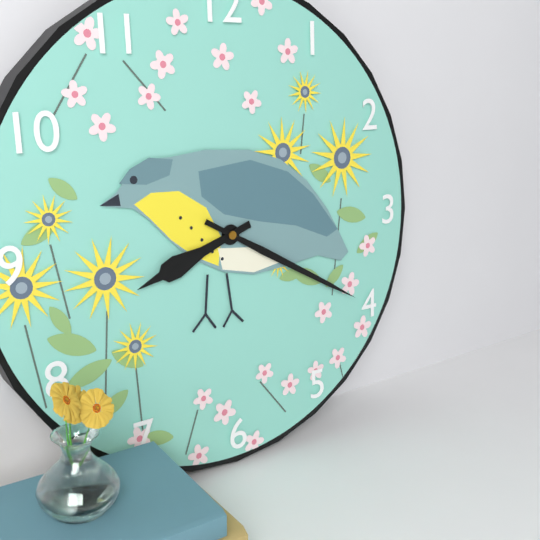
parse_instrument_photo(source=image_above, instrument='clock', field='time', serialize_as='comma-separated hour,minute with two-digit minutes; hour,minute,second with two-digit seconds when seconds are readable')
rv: 8,20
